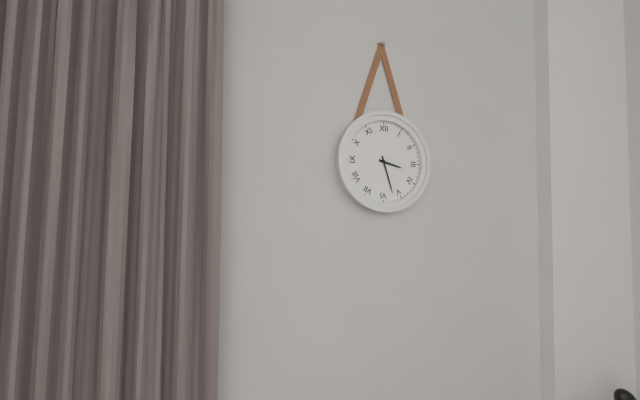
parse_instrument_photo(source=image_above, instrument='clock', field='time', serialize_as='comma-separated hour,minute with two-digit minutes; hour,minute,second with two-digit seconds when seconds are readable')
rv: 3,27
